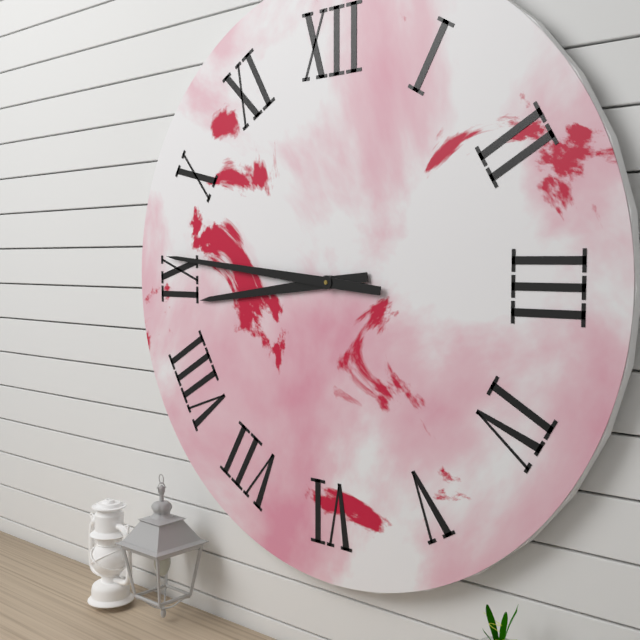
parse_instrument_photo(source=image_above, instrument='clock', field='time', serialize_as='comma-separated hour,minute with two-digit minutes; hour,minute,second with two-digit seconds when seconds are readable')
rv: 8,46
